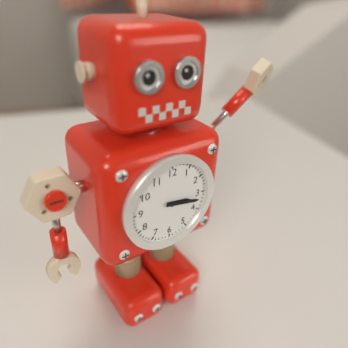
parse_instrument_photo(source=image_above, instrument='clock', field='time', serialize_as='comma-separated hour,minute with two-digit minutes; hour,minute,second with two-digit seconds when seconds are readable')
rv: 3,17
